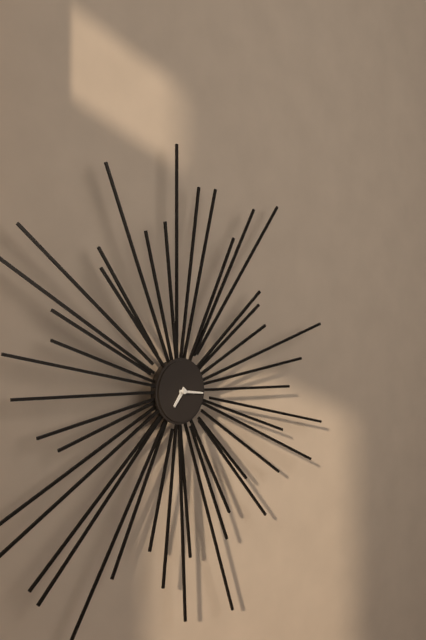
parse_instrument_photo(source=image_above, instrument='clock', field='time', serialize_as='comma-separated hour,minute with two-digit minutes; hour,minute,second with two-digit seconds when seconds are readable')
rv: 7,16
